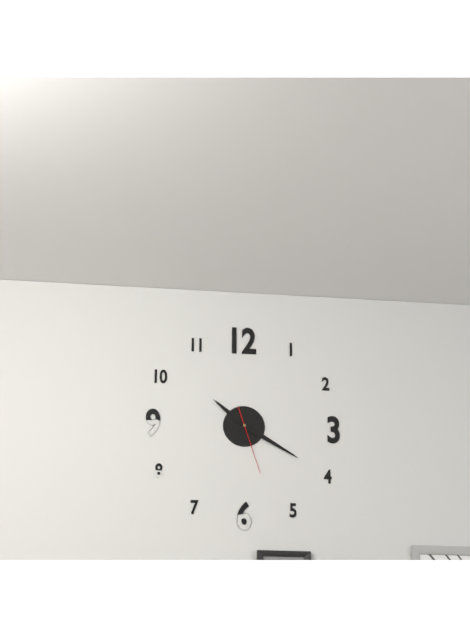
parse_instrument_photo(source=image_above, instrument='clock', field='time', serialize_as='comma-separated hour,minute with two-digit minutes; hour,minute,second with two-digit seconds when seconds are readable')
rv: 10,20,27
